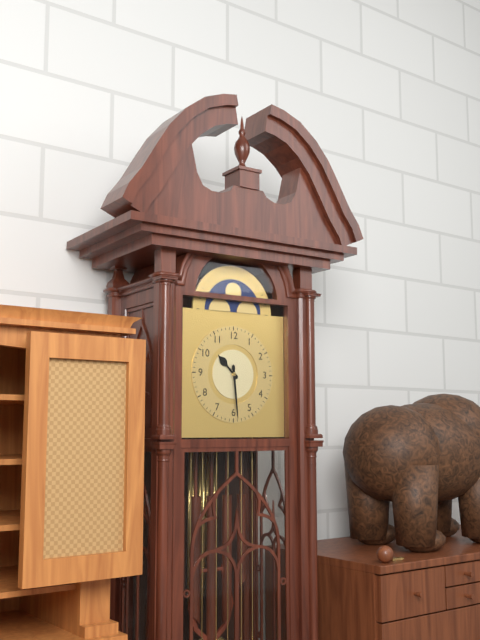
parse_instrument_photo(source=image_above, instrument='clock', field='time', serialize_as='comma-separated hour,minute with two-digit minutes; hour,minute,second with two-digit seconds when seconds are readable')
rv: 10,29
